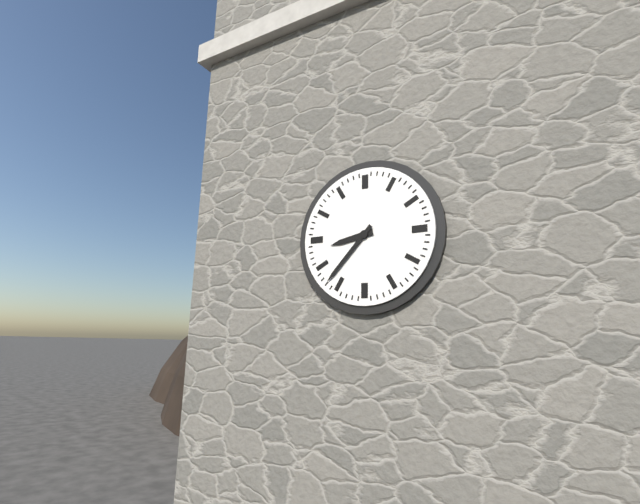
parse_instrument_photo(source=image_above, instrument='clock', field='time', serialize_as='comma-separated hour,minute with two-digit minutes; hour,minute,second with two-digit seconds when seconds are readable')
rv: 8,37
